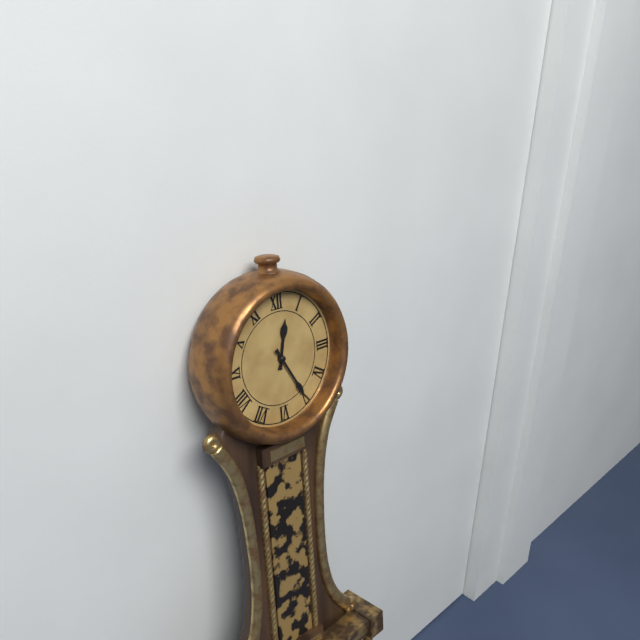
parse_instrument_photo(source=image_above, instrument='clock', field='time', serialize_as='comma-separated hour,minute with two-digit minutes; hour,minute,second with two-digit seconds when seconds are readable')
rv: 12,25
